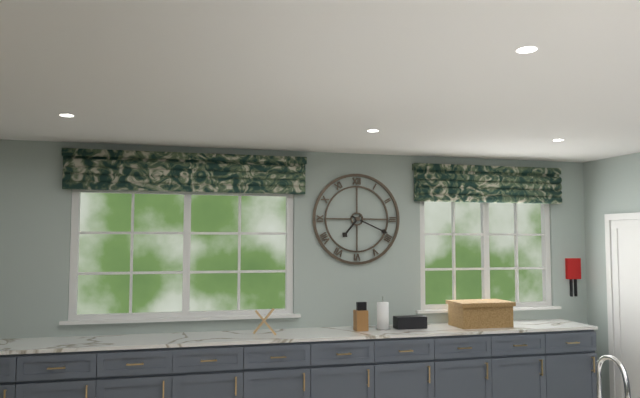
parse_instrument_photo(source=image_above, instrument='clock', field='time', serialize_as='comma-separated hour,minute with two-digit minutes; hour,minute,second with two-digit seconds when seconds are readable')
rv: 7,19
